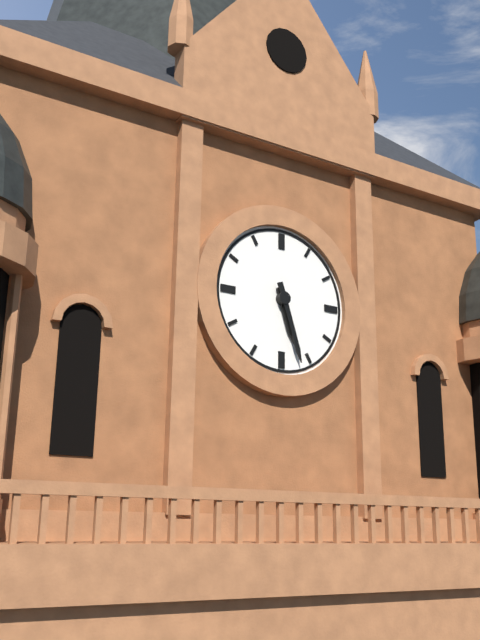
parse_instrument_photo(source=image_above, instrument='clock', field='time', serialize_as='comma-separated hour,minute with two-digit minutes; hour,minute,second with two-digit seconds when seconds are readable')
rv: 5,27
